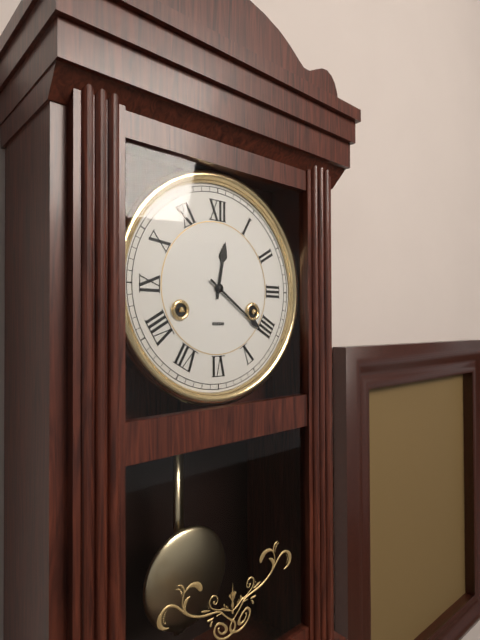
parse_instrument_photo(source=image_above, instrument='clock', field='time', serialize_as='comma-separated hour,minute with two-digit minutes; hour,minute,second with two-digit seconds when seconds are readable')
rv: 12,21
